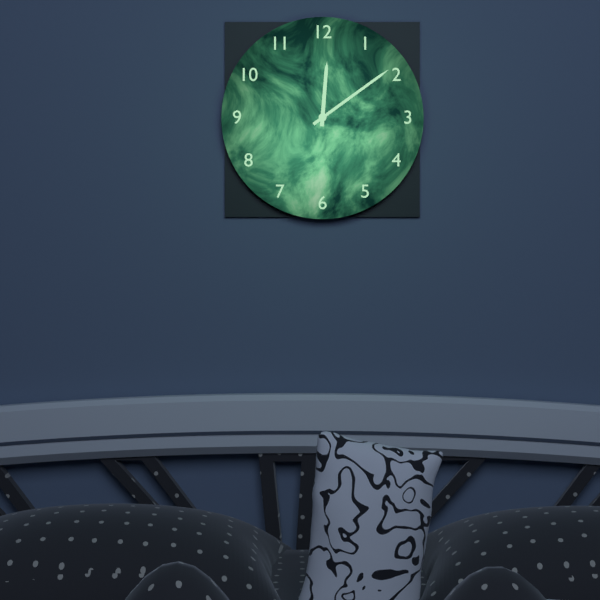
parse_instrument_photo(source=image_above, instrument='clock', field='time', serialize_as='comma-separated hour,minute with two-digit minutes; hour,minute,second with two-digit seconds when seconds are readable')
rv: 12,09
